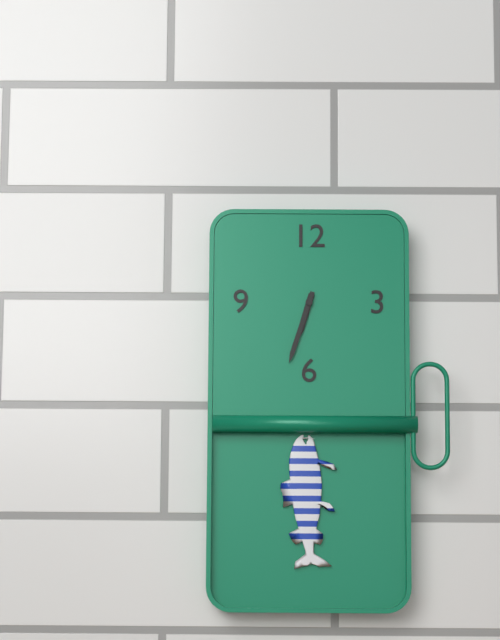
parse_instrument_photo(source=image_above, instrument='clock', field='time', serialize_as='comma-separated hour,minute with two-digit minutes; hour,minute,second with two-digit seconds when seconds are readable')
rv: 6,33
